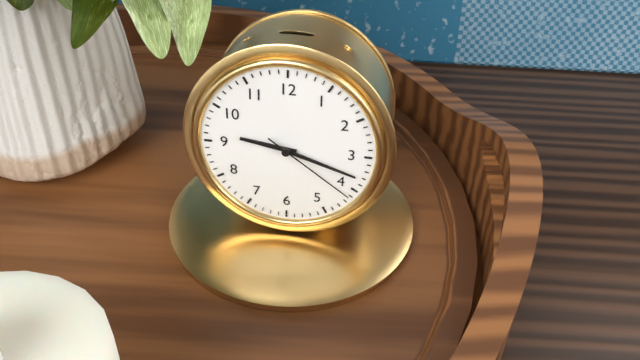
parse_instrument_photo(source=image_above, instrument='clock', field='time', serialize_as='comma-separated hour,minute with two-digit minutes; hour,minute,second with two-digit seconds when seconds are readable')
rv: 9,18,21
